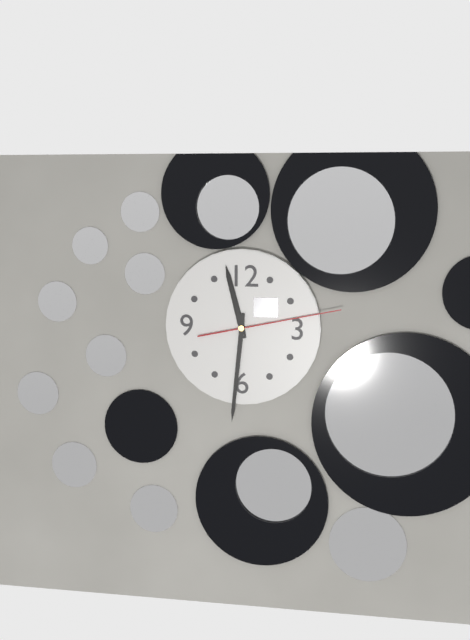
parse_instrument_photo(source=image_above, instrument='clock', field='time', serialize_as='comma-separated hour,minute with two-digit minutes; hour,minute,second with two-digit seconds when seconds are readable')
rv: 11,31,13
